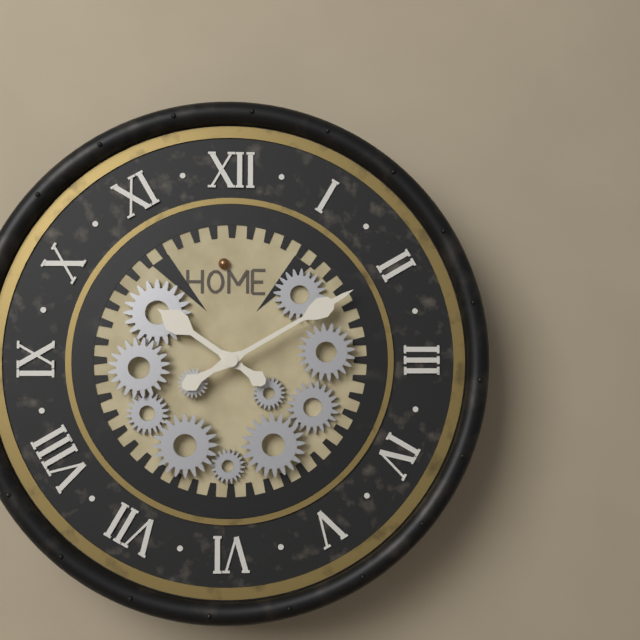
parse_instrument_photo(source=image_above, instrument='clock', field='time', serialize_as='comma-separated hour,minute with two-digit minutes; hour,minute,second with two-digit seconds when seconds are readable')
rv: 10,10
